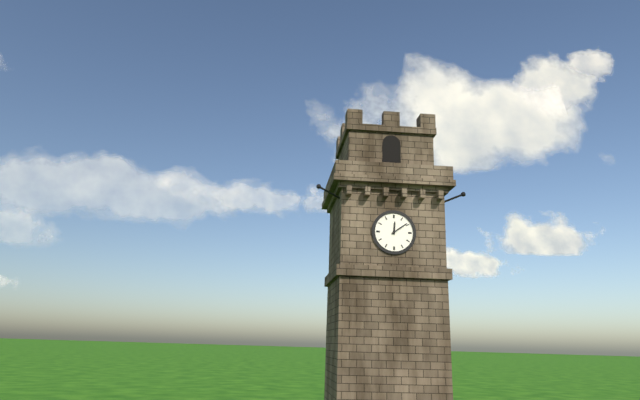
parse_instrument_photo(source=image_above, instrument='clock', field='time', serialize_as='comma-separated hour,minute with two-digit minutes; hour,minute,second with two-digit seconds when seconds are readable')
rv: 12,09
